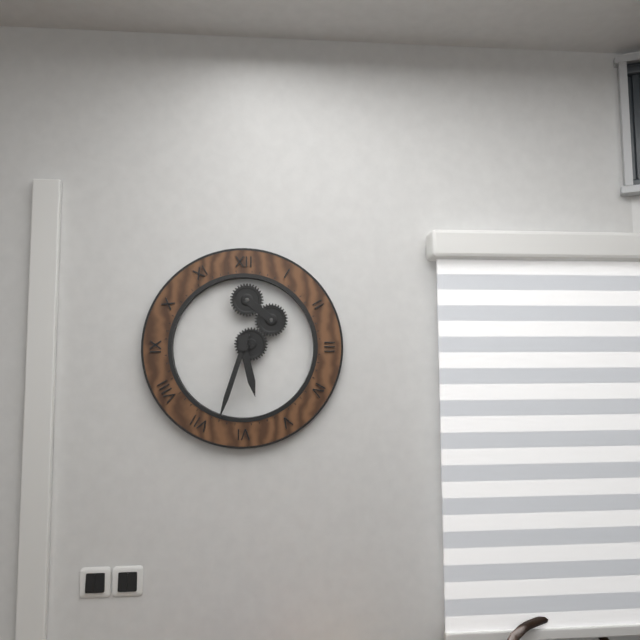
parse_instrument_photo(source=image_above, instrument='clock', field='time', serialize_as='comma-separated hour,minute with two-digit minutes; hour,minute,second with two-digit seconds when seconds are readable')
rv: 5,33
